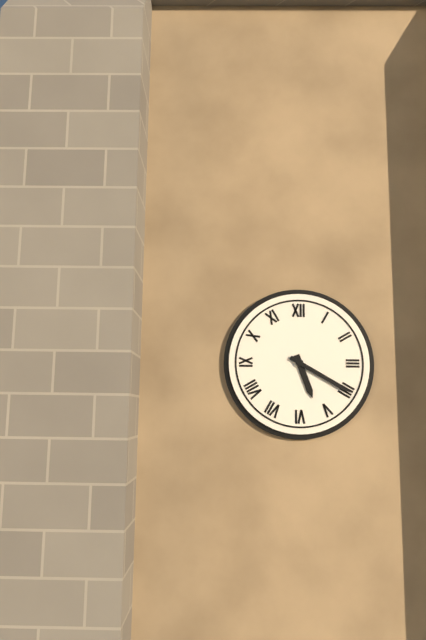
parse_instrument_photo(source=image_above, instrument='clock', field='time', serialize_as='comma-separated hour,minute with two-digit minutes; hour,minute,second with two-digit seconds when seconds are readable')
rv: 5,20
